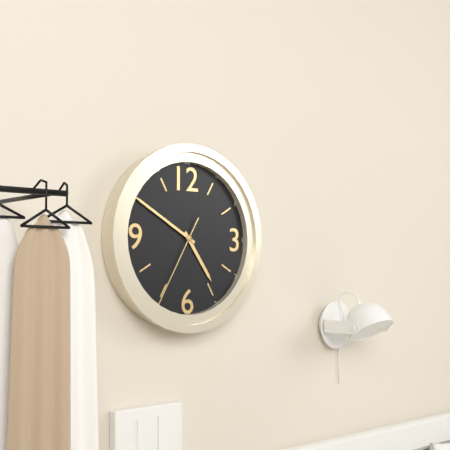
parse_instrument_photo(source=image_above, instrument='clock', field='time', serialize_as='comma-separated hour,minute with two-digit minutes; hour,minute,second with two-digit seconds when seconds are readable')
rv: 4,50,35
